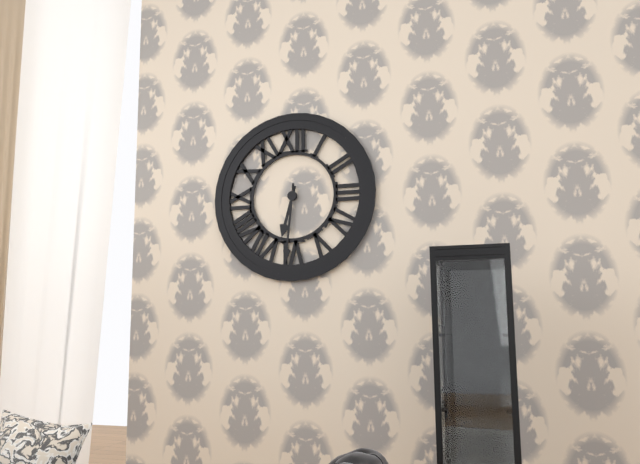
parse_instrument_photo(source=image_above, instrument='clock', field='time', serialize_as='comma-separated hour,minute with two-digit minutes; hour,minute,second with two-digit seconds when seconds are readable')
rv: 6,31
